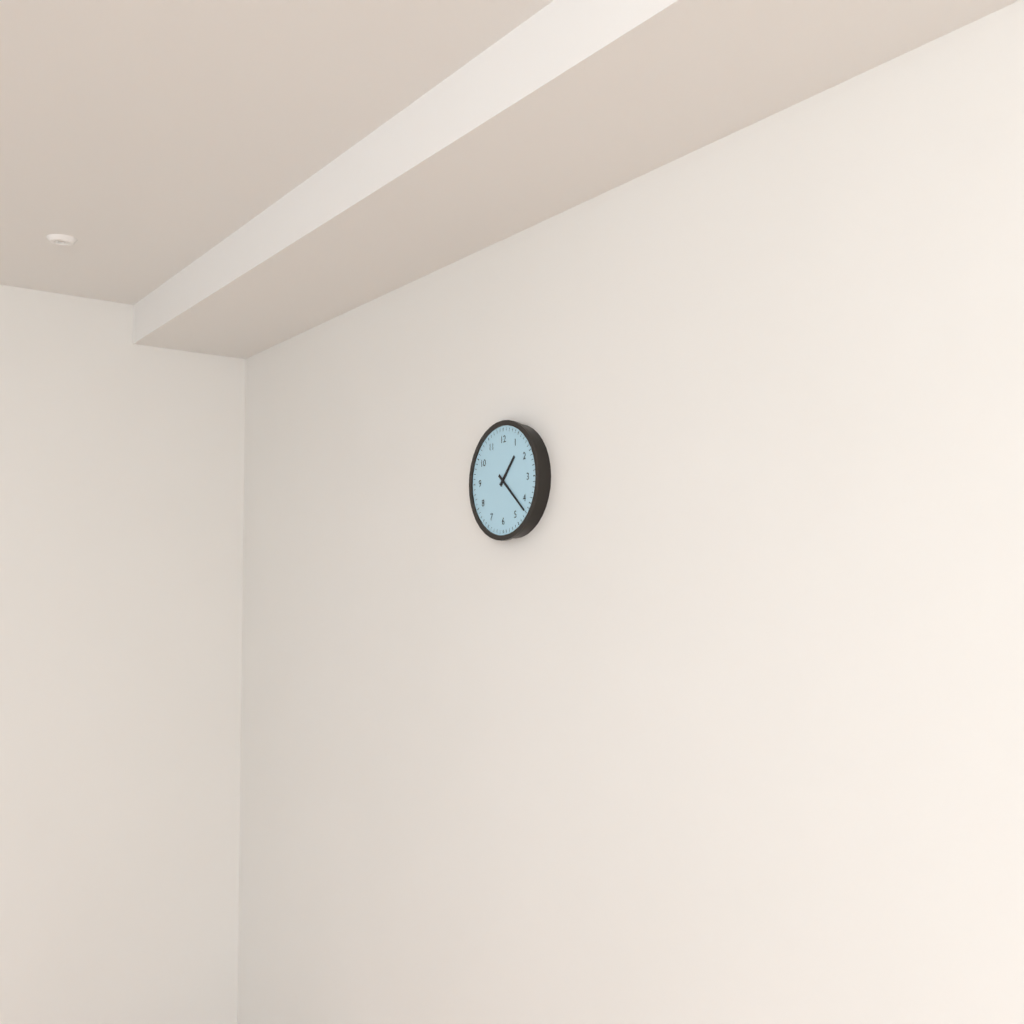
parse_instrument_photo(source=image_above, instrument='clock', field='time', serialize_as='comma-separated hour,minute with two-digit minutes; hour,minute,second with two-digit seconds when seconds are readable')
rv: 1,22
